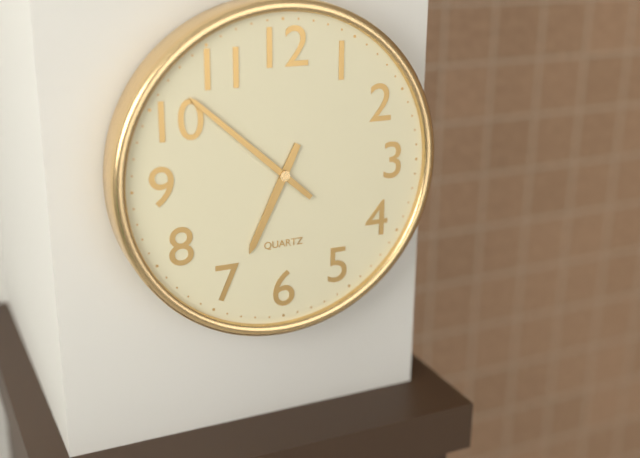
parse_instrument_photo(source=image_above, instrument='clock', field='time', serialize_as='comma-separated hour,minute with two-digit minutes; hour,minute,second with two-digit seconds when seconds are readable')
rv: 6,52
